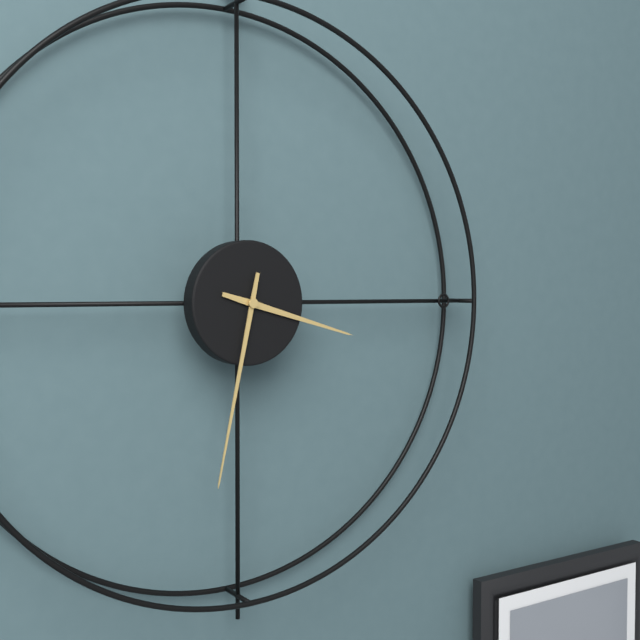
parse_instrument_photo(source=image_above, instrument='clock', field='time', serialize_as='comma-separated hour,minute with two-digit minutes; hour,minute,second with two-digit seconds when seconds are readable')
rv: 3,32
